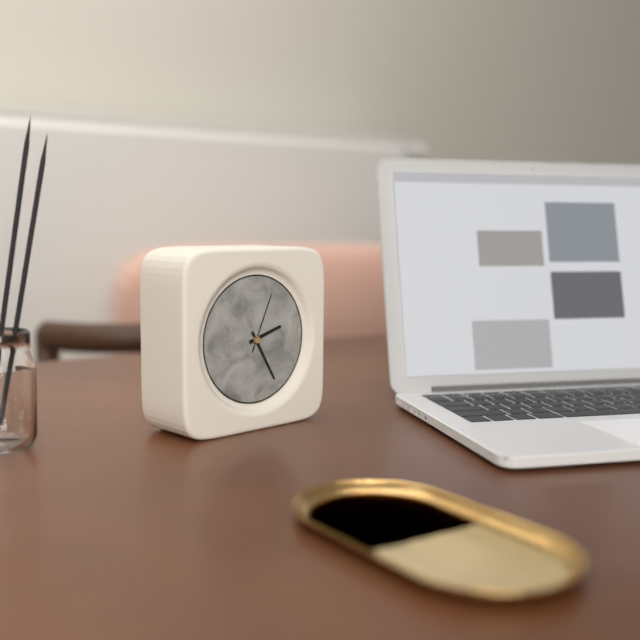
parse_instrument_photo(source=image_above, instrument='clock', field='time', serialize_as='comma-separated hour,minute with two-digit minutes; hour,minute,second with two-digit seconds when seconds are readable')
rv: 2,25,04
